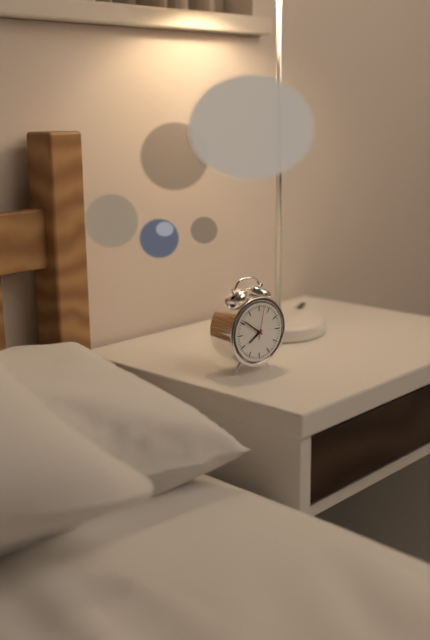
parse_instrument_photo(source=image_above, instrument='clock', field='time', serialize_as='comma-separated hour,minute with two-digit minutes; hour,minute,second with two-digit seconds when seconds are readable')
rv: 7,51
